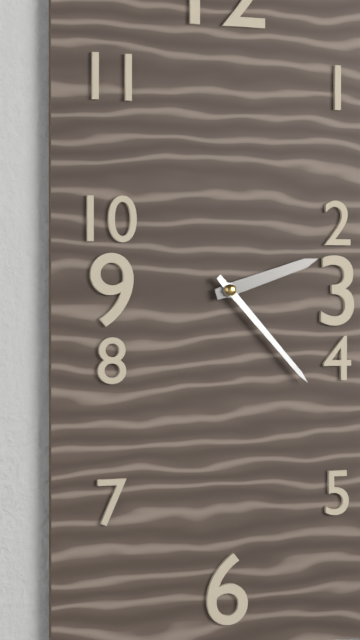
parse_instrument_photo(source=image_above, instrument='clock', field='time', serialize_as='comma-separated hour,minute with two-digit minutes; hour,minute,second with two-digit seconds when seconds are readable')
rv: 2,23
